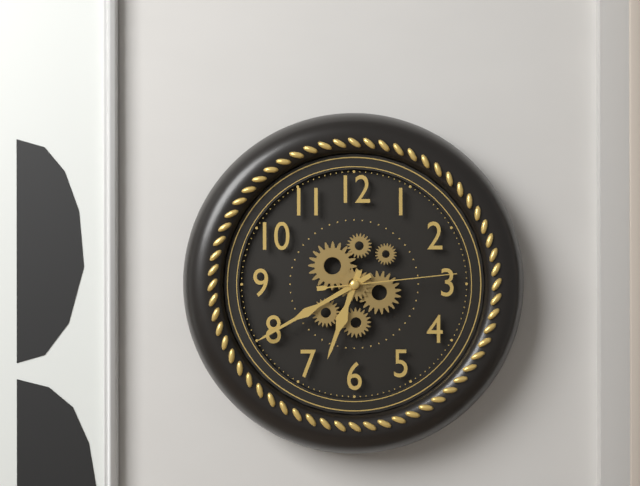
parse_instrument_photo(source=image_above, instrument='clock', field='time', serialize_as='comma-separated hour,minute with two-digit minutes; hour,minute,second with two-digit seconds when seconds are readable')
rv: 6,40,14
